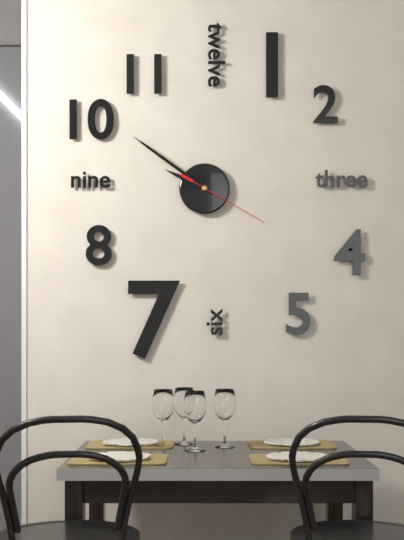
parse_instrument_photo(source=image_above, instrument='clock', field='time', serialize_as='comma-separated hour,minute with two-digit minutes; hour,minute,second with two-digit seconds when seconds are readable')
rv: 9,51,20
